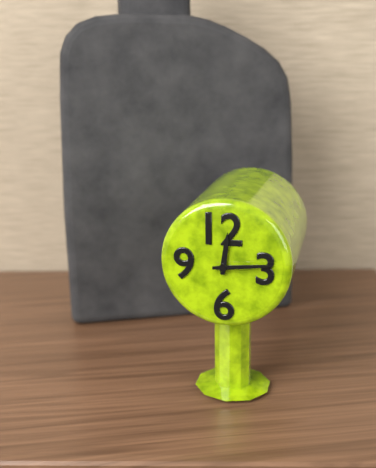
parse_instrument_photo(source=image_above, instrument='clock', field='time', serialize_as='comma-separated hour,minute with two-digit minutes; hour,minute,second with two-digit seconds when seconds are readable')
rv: 12,14
